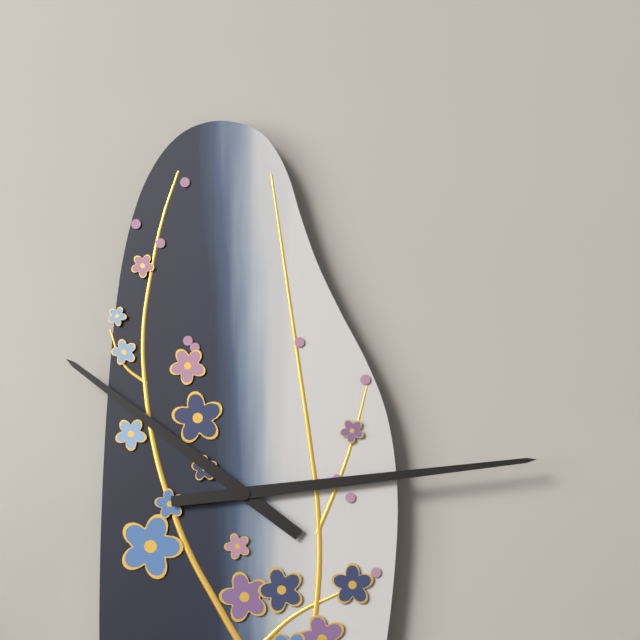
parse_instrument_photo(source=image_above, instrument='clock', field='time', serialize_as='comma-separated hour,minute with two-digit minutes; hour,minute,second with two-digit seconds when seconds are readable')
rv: 10,14
